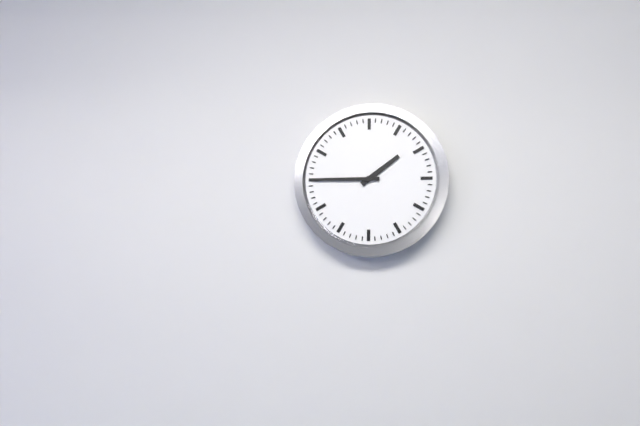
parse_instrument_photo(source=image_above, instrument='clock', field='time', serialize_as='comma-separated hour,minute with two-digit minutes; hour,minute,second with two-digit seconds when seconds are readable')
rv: 1,45
